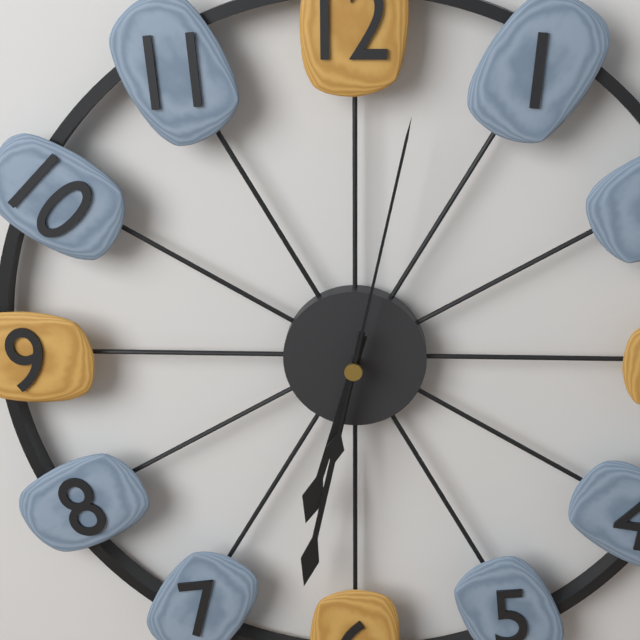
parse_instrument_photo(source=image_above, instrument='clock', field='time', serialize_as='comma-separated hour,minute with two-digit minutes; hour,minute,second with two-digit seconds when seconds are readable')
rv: 6,32,02
